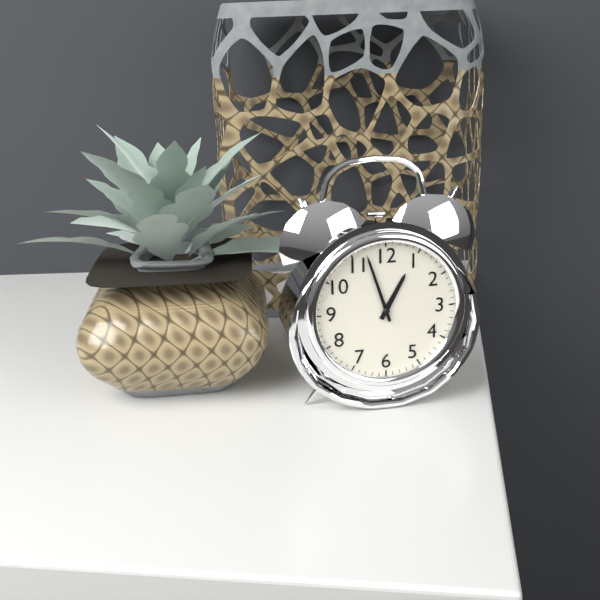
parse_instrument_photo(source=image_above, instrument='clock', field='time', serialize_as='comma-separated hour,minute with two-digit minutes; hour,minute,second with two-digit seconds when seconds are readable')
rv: 12,57
